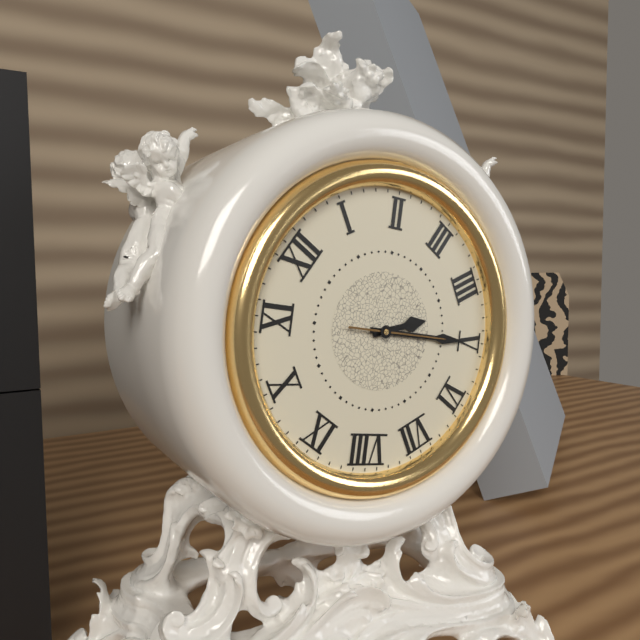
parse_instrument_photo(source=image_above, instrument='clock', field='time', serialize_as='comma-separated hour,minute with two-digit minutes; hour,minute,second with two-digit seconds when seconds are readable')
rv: 4,25,25
